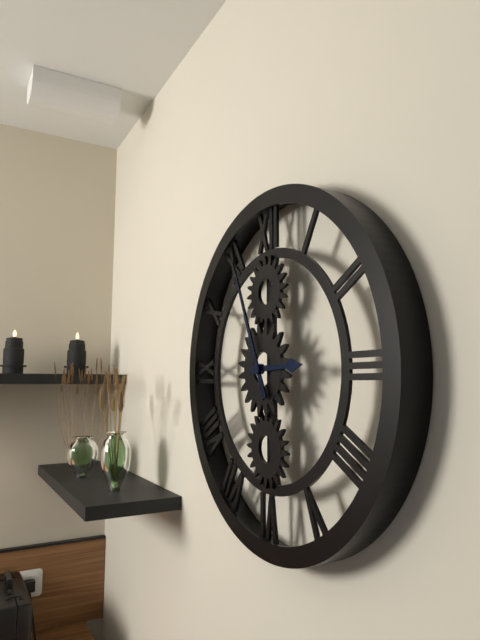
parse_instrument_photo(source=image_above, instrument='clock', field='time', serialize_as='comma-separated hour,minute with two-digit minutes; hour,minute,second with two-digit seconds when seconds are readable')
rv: 2,56
